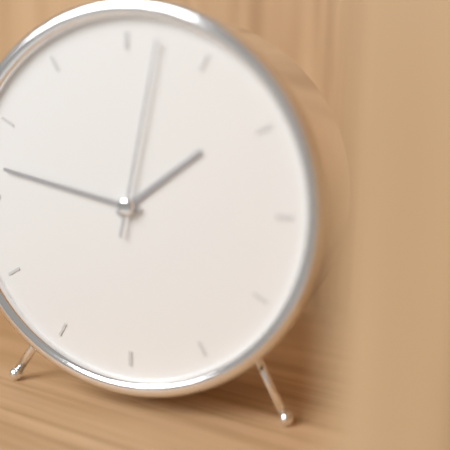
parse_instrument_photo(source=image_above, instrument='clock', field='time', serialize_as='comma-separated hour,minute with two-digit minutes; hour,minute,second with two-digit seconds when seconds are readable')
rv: 1,47,02
